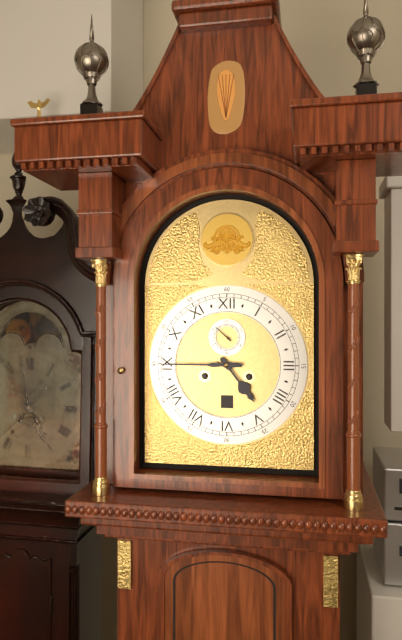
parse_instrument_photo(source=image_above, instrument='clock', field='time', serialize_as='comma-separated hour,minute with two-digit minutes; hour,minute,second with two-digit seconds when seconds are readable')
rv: 4,45
